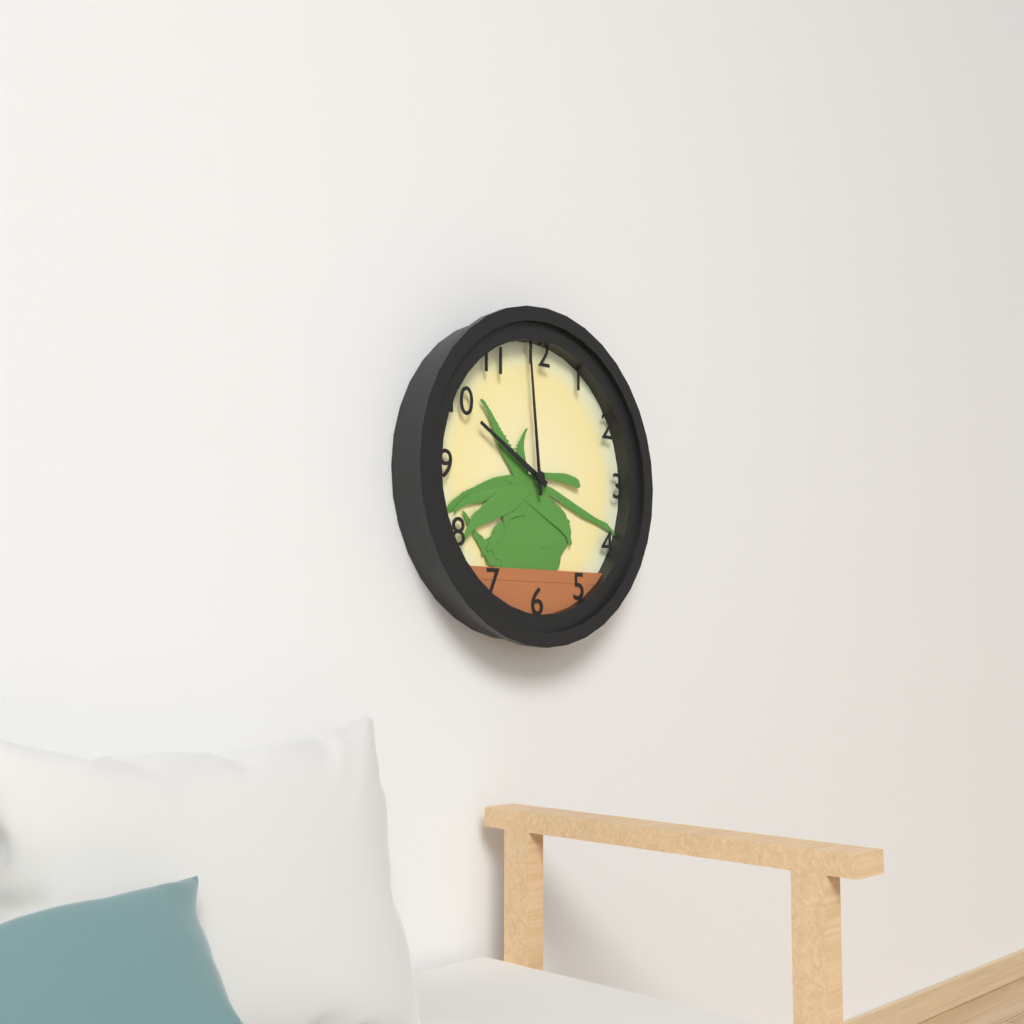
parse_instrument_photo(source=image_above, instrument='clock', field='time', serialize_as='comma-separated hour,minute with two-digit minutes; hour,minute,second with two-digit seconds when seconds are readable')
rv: 9,59
